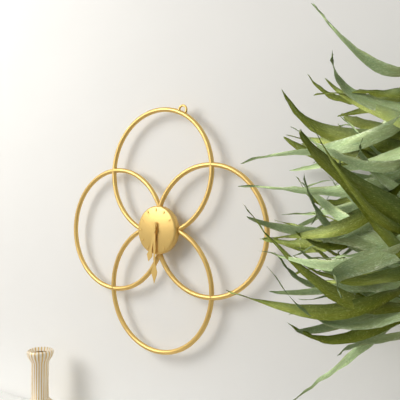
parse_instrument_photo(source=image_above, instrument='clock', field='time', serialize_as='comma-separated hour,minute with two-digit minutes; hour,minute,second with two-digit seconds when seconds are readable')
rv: 6,30
